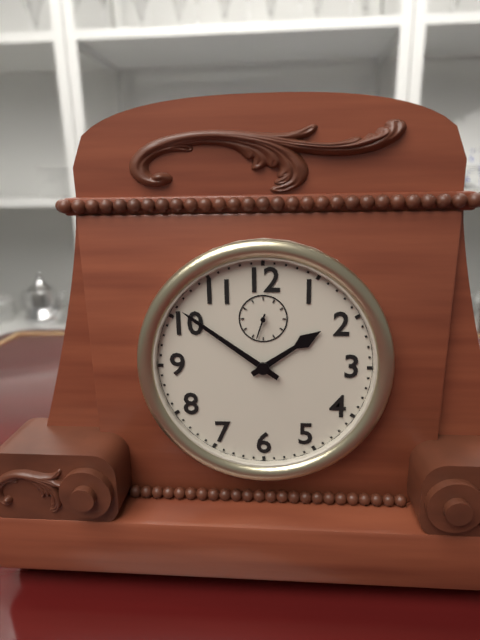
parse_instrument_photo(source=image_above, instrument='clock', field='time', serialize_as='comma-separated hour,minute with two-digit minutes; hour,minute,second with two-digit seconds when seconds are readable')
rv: 1,51
